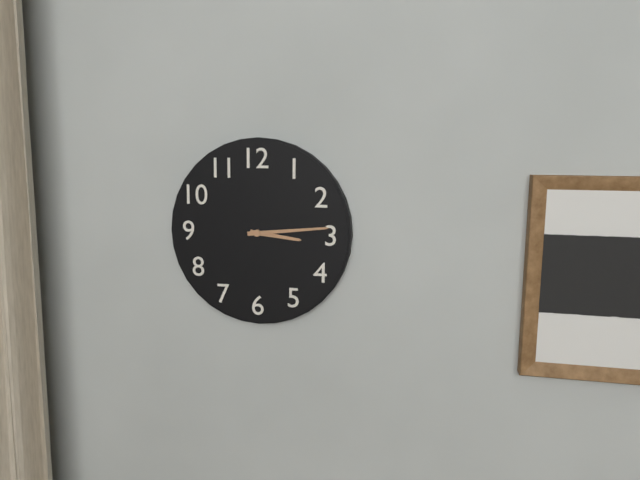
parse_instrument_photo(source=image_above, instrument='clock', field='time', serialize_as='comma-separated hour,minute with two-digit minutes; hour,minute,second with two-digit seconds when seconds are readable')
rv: 3,14
